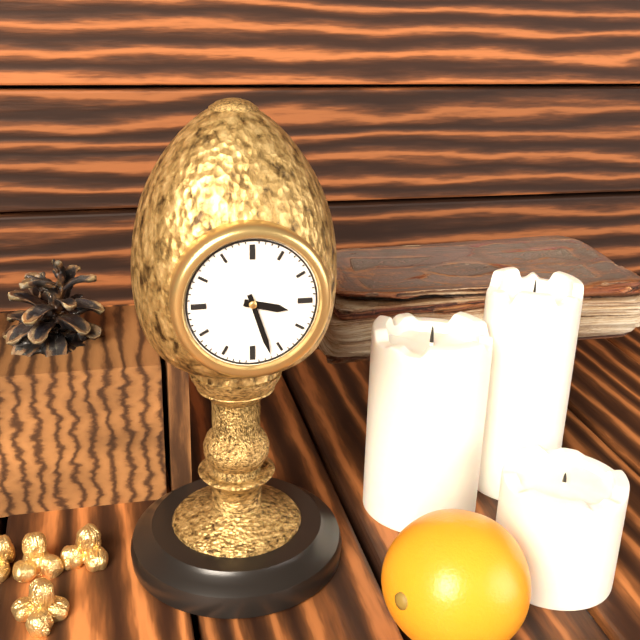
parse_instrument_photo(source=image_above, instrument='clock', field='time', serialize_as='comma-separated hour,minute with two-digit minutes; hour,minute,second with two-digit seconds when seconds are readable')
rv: 3,27
